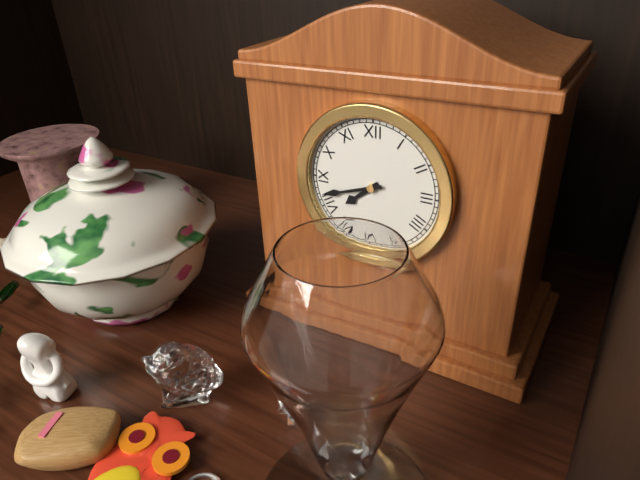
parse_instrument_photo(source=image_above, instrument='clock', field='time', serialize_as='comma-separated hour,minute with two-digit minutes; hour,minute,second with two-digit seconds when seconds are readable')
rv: 7,42
